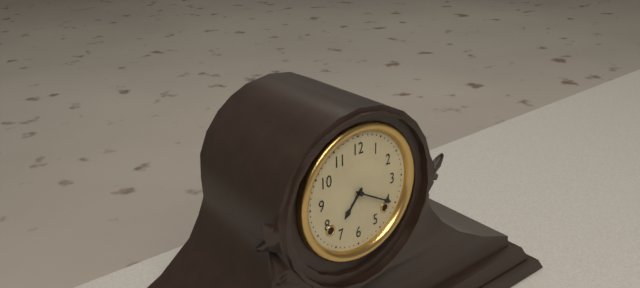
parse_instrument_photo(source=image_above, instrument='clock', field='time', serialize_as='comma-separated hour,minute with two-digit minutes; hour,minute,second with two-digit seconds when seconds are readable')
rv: 7,20
